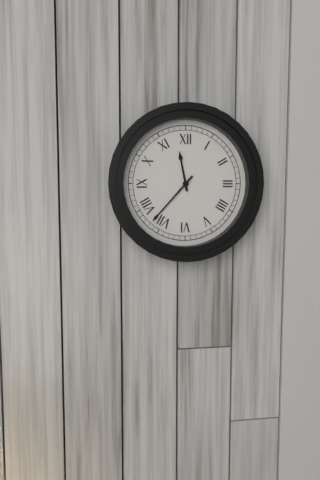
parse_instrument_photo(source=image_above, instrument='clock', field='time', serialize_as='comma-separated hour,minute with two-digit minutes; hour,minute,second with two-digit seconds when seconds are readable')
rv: 11,37
